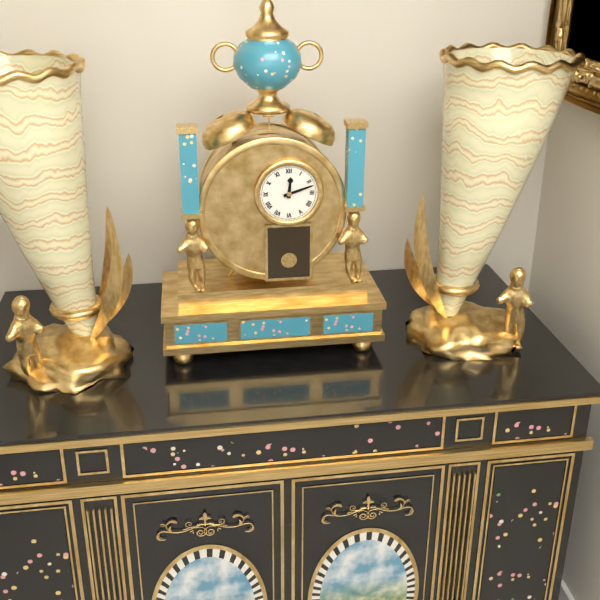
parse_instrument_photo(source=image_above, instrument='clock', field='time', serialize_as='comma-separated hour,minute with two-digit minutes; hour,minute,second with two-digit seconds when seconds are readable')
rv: 12,12
